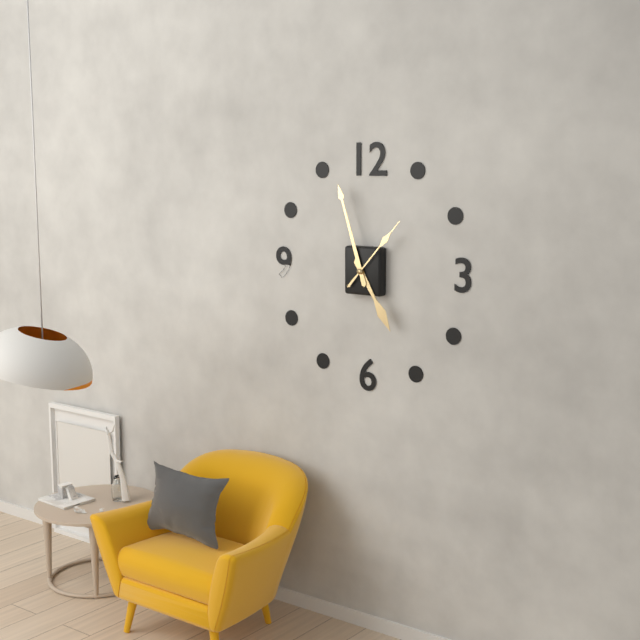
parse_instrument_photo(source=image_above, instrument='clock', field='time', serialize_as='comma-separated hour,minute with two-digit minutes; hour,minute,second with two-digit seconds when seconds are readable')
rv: 4,57,07
